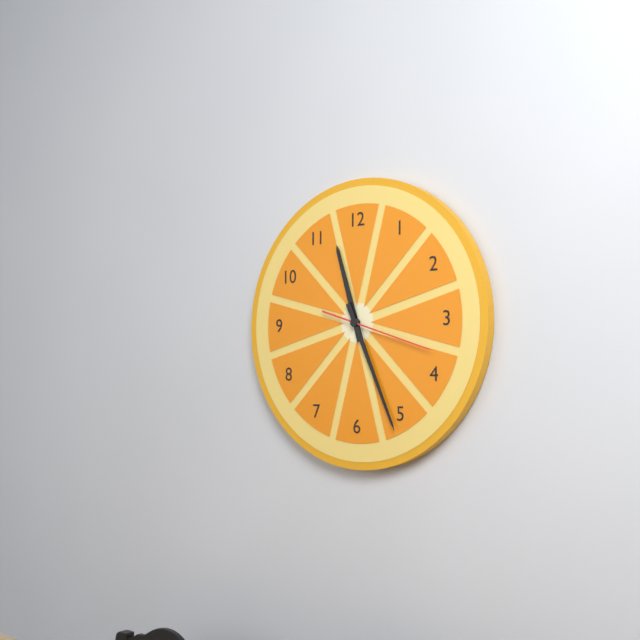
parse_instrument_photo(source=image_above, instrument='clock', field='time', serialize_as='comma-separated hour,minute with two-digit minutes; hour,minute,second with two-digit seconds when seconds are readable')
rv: 11,26,18
